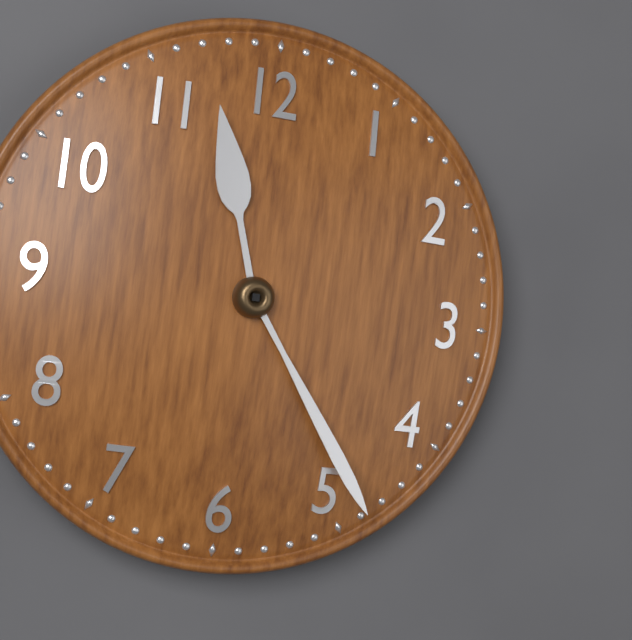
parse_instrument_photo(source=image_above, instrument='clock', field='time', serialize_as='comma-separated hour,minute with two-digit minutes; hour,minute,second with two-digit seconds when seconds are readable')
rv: 11,24
